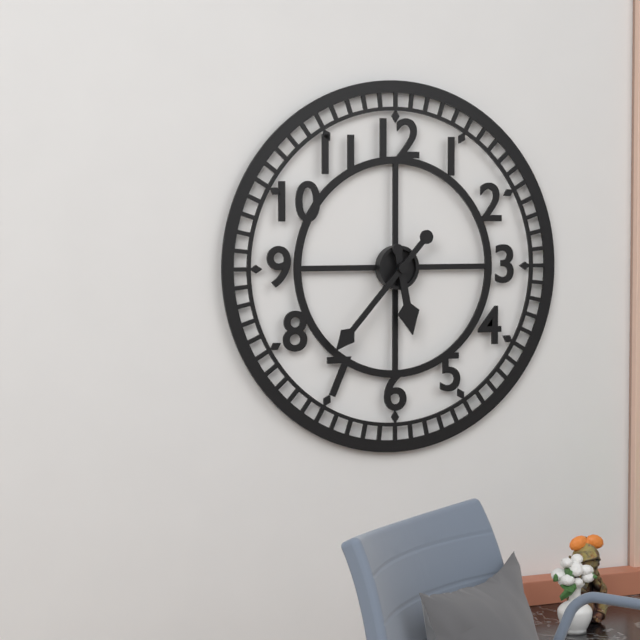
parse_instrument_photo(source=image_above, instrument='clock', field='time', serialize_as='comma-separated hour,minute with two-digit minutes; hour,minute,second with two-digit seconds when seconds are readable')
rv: 5,37
